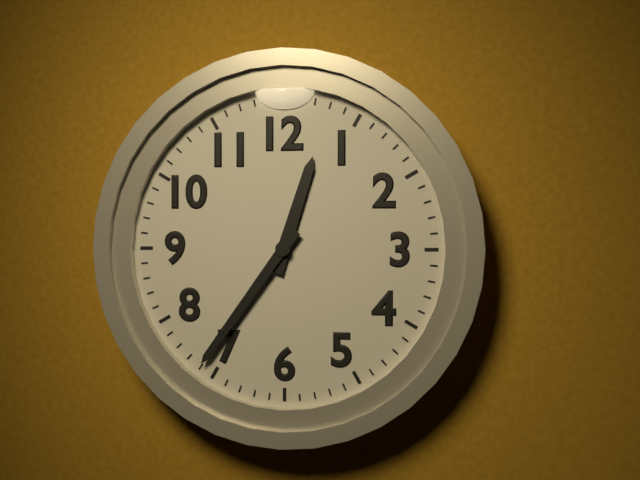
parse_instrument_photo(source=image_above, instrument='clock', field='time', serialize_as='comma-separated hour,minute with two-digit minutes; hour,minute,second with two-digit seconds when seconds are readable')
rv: 12,36
